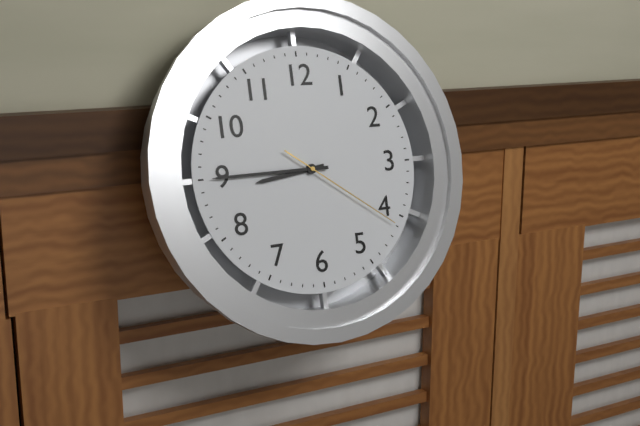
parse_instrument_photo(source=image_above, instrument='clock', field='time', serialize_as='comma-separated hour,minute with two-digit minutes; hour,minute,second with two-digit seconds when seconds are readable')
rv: 8,45,21
